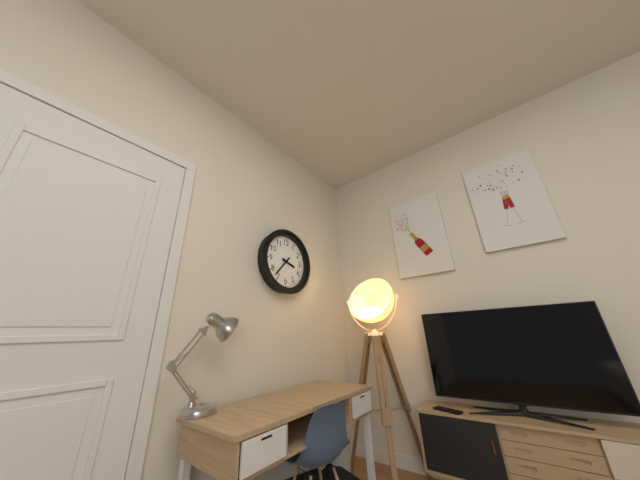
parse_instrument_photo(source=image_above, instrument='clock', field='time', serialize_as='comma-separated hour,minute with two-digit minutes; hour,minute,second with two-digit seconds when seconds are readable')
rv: 3,37
